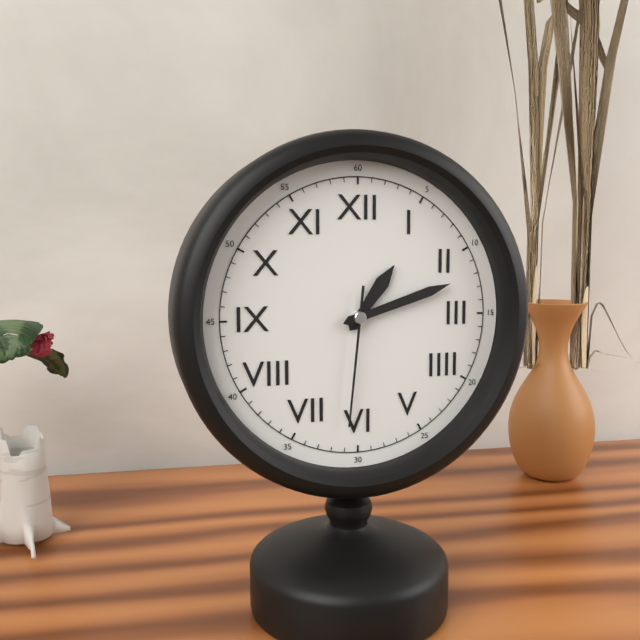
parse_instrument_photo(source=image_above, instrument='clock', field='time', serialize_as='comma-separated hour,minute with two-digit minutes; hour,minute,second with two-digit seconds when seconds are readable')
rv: 1,12,31
